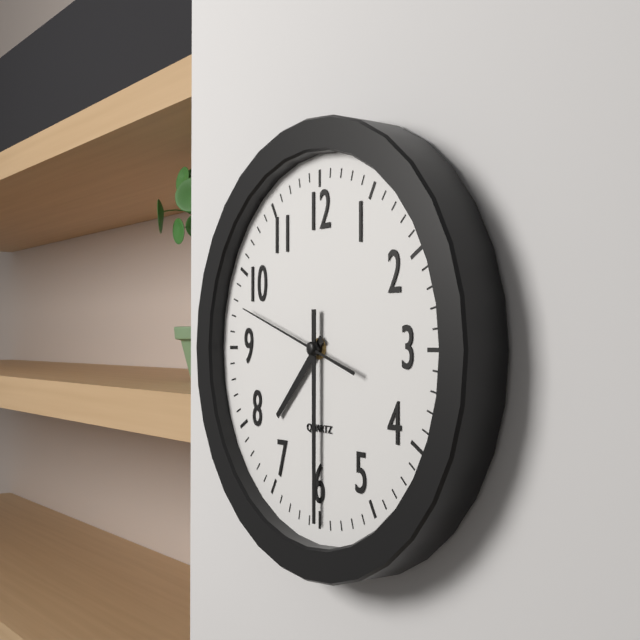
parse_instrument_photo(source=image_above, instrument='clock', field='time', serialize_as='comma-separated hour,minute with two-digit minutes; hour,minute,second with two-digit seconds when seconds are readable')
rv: 7,30,48
